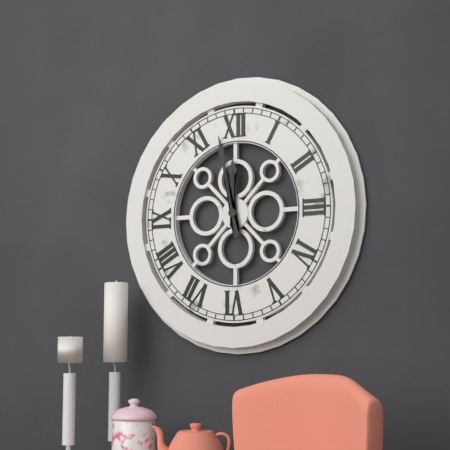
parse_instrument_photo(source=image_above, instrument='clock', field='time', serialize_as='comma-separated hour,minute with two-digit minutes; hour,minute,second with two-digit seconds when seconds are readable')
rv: 11,58
